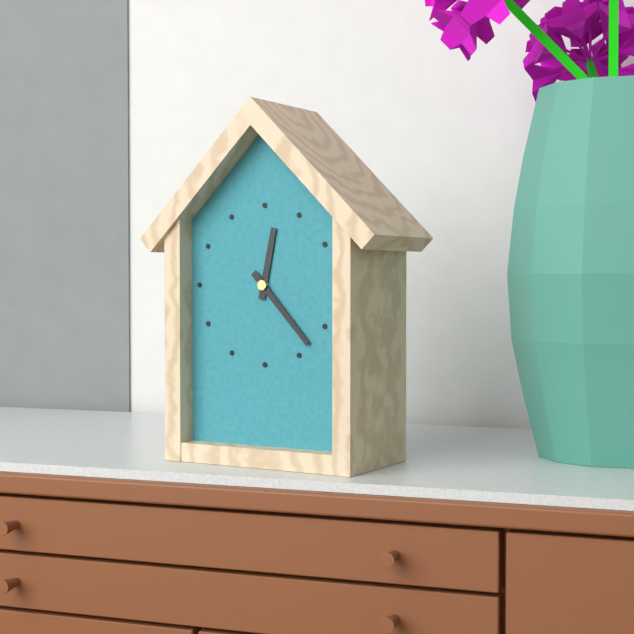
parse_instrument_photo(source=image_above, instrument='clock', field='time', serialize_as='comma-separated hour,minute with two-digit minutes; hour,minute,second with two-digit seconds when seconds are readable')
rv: 12,23
